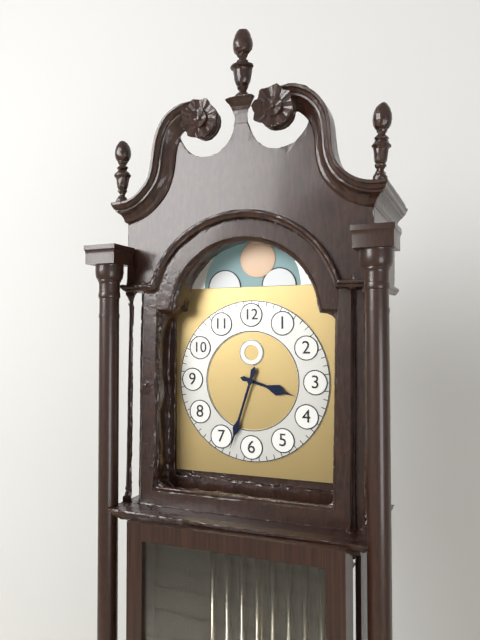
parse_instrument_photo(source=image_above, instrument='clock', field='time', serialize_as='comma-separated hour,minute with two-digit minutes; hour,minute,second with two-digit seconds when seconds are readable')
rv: 3,33
